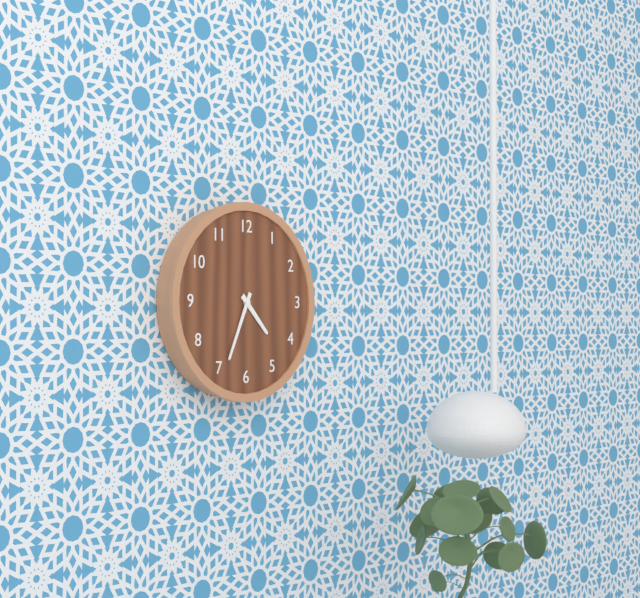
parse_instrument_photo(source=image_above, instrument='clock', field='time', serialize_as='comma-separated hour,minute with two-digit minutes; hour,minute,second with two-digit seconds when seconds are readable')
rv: 4,34
